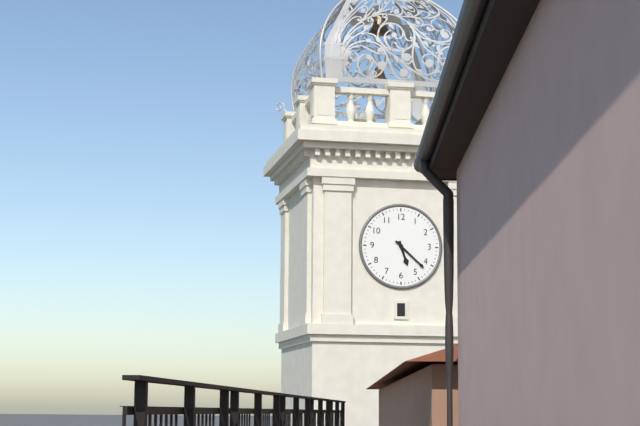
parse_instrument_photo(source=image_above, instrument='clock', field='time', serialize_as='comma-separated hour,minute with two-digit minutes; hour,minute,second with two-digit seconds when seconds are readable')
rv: 5,22
